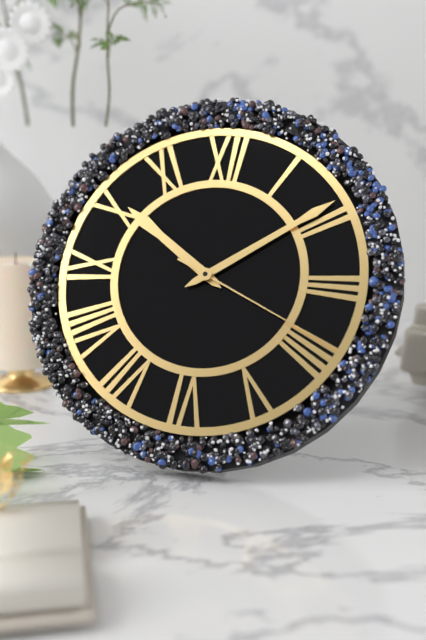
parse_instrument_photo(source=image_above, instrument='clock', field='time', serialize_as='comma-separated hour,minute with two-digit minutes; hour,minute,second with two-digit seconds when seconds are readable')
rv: 10,09,19
